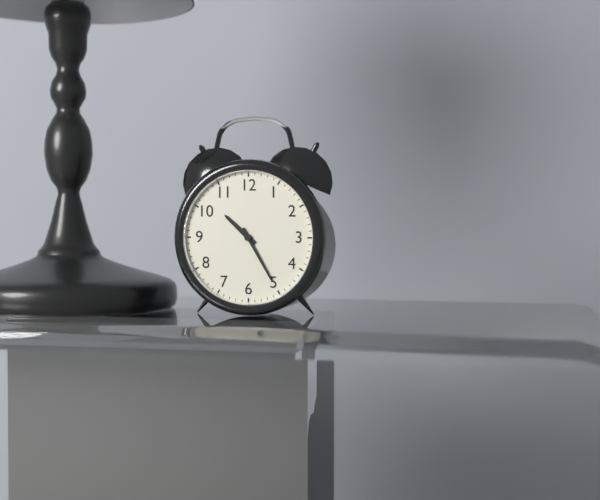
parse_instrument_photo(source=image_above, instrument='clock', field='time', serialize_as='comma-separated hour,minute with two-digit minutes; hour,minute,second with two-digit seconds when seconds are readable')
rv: 10,25
